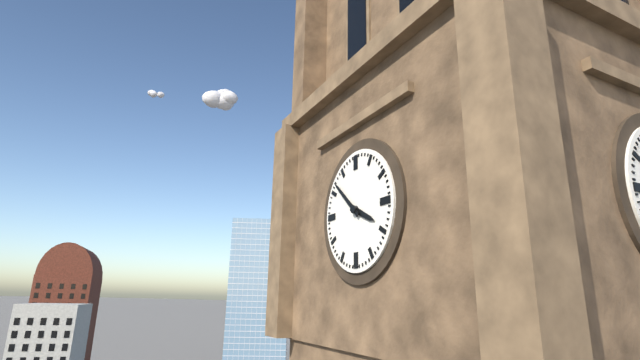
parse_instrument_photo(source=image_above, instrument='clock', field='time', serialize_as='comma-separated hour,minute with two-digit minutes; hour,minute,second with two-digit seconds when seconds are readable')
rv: 3,52
